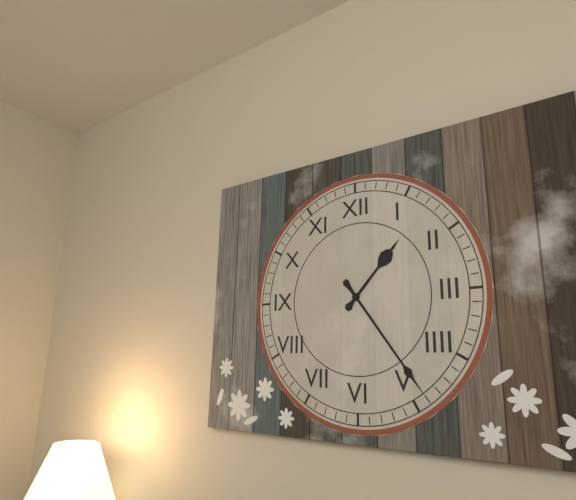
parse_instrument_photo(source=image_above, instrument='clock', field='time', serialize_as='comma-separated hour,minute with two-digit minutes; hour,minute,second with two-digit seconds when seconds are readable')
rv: 1,24
